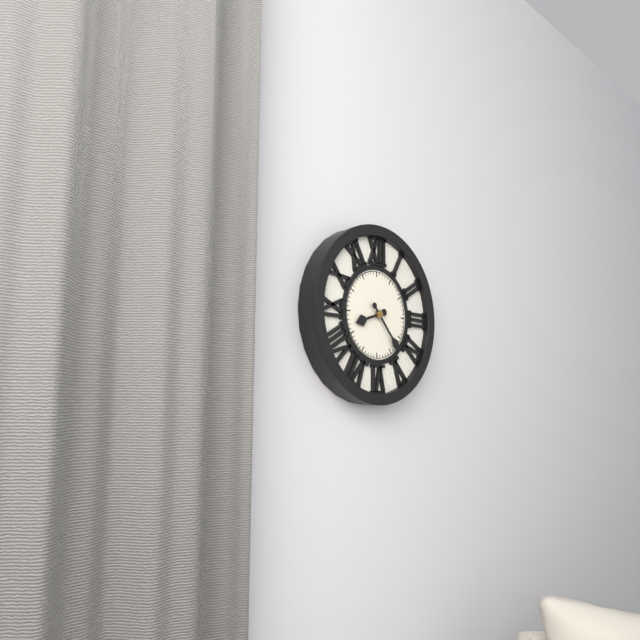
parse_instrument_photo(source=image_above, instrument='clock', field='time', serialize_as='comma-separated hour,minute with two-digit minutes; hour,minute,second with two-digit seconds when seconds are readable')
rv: 8,23
